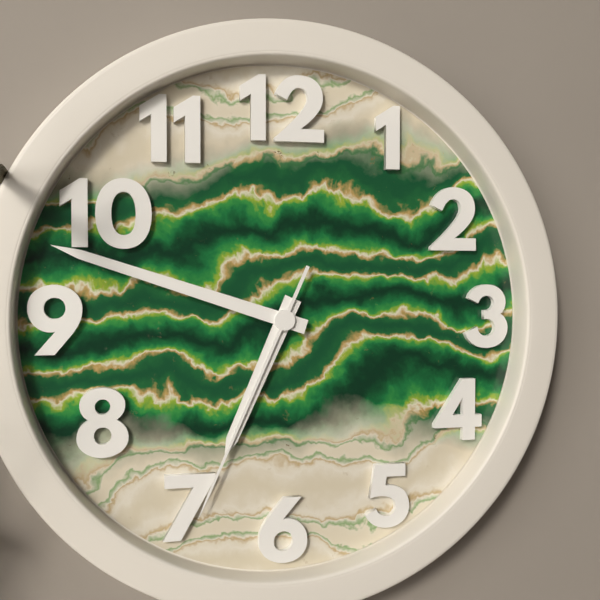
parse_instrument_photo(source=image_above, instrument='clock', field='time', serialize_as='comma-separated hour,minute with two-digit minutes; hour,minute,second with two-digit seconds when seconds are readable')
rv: 6,48,34
